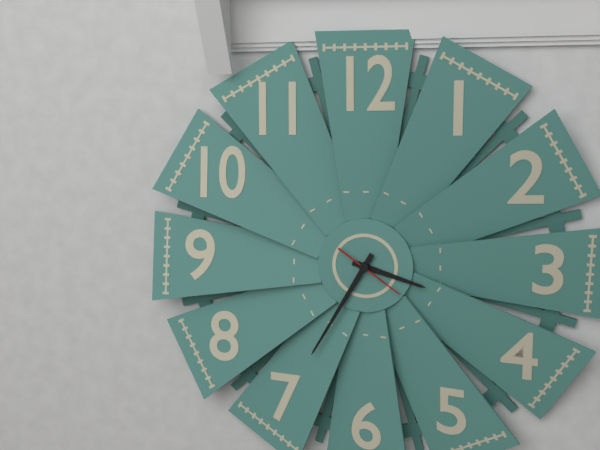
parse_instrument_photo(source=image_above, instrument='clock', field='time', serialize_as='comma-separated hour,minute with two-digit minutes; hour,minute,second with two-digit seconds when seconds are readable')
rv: 3,35,21
